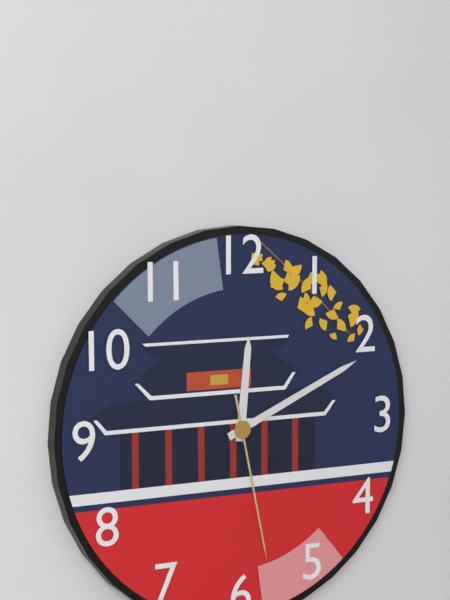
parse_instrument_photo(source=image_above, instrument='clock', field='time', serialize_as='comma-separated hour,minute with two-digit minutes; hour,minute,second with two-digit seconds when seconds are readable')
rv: 12,11,28
